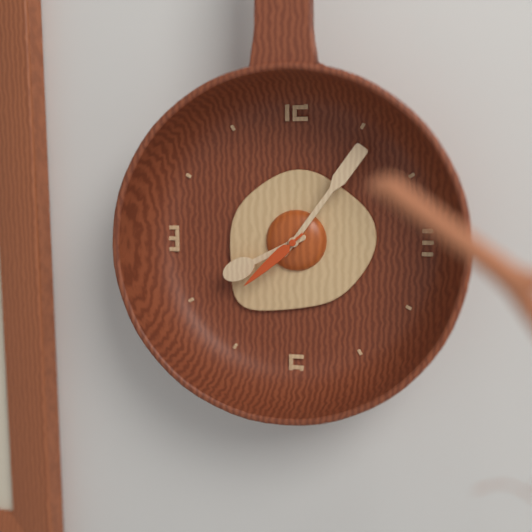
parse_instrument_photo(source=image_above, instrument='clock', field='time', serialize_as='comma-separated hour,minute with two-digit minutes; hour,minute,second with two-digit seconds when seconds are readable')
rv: 8,06,38
